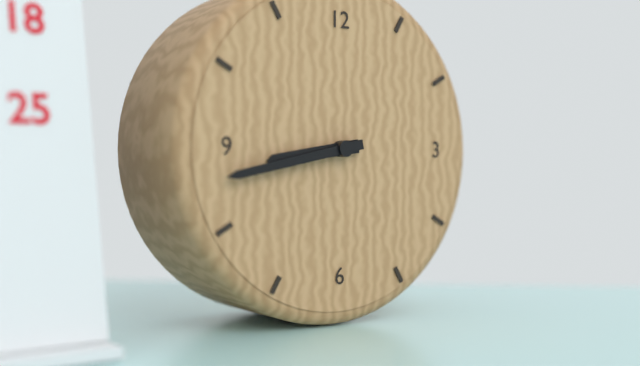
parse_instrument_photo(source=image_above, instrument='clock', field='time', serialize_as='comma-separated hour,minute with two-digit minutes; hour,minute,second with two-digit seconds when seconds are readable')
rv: 8,43
